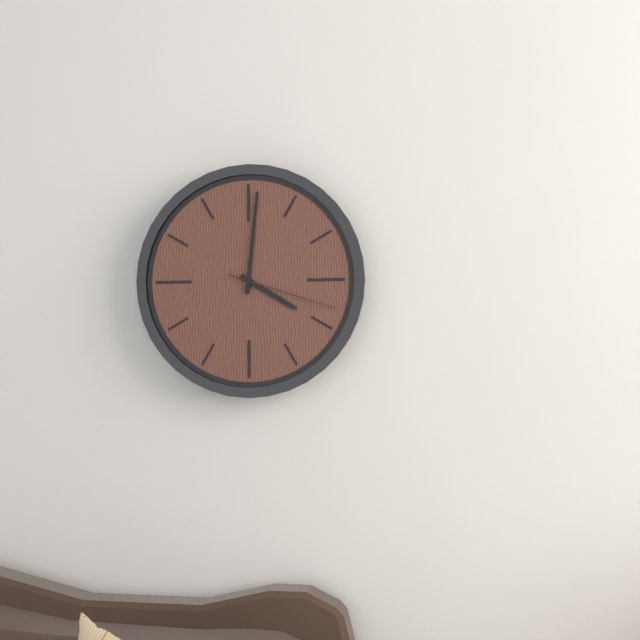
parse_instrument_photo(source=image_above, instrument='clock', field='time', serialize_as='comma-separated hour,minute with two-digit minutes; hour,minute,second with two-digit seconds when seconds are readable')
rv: 4,01,18
